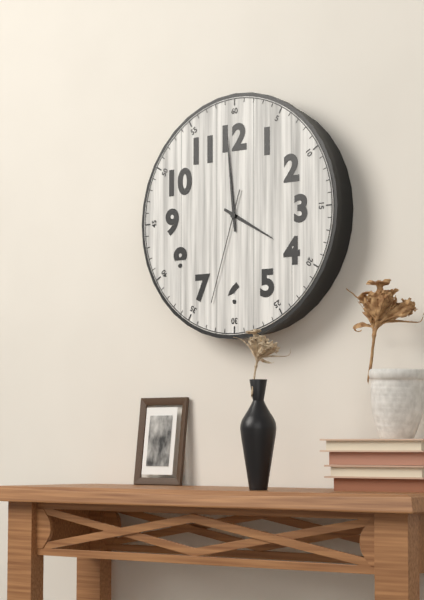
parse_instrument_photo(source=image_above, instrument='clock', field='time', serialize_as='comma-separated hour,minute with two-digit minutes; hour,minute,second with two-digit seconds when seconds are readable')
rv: 3,59,33
